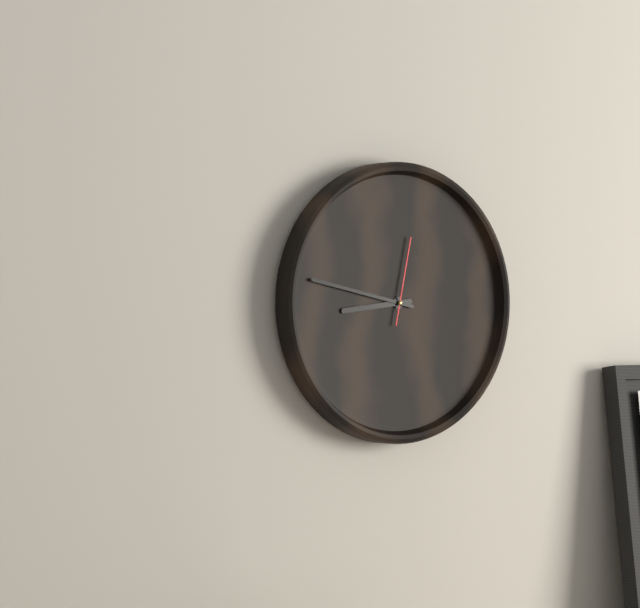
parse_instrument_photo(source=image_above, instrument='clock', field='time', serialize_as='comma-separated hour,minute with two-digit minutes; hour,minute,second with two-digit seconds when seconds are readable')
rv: 8,47,02
